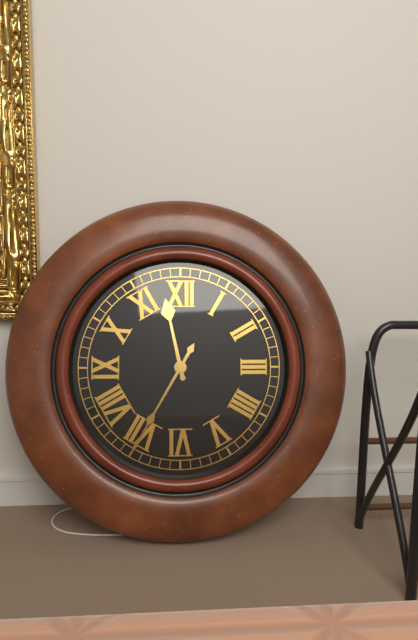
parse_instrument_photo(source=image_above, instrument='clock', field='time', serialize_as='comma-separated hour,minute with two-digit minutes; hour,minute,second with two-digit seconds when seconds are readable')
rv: 11,35
